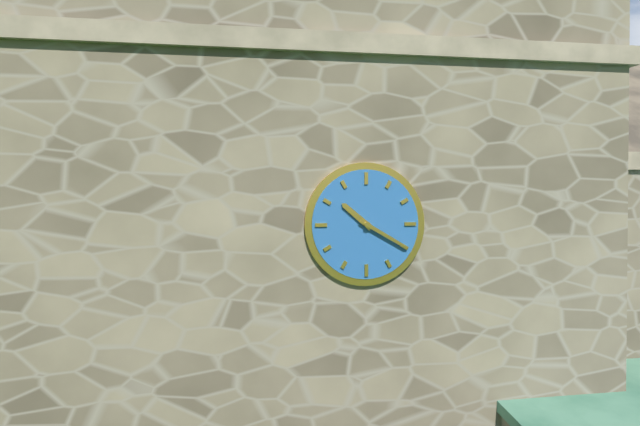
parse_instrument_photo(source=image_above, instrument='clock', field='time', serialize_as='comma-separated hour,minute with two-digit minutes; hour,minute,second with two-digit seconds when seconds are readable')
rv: 10,20
